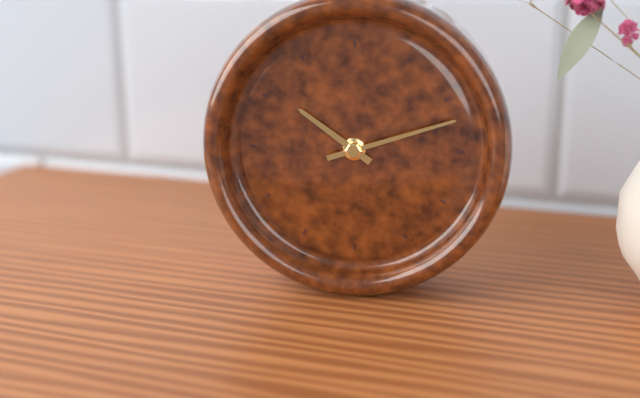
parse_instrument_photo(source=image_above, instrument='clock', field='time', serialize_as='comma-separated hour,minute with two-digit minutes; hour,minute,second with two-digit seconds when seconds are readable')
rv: 10,12
